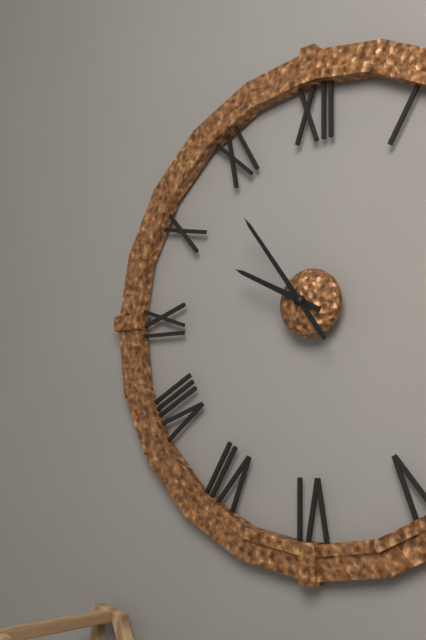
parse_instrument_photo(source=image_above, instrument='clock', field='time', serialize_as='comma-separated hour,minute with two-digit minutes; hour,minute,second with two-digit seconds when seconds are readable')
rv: 9,54
